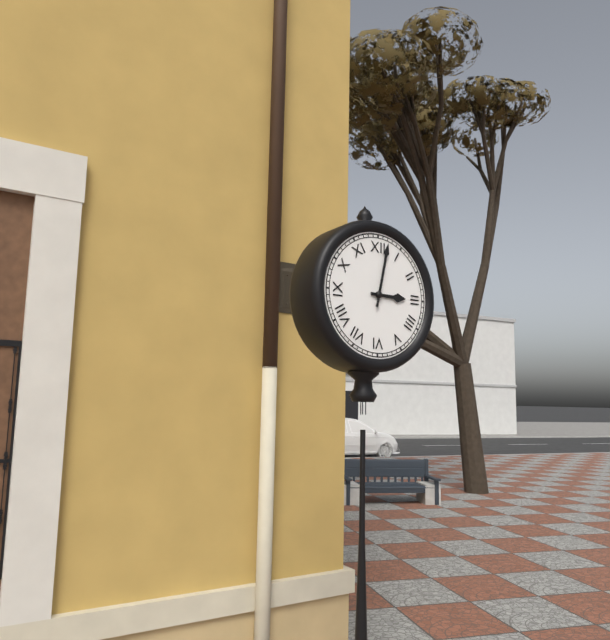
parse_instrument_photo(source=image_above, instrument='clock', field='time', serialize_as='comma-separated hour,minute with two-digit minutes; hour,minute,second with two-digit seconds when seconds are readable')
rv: 3,02
